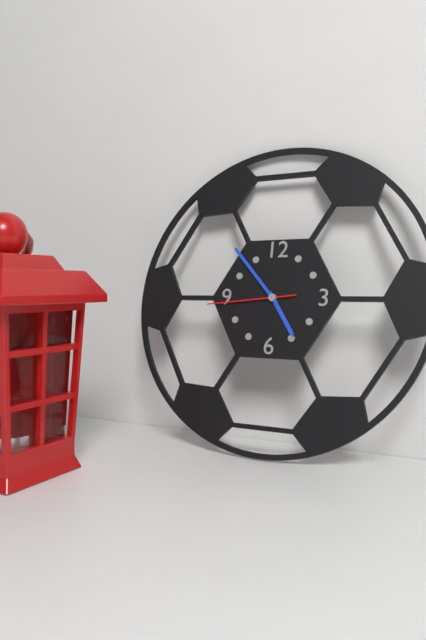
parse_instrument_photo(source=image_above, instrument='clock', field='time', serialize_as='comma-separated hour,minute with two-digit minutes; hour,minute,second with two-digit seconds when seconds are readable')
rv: 4,53,44
